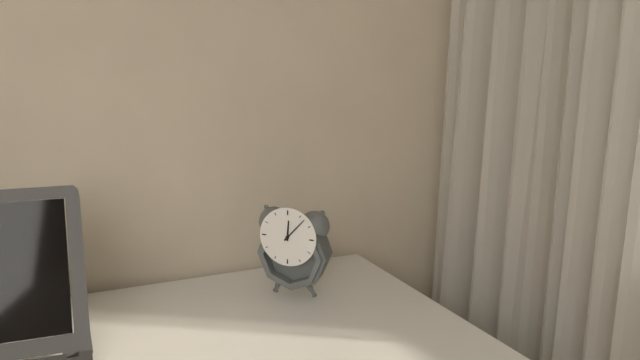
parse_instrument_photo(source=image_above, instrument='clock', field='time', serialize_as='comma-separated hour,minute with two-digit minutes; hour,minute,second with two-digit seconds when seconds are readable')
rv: 12,07
